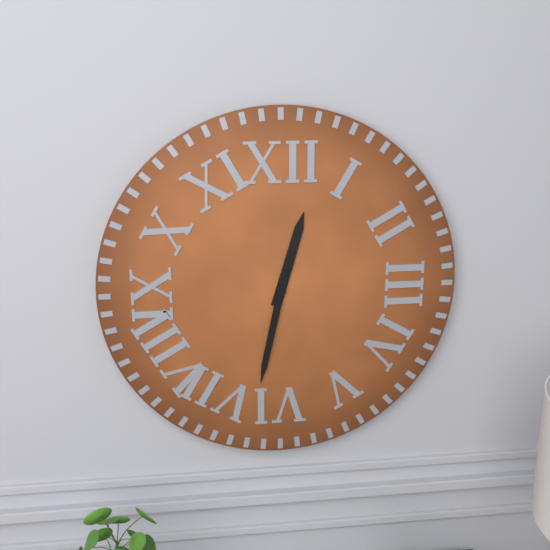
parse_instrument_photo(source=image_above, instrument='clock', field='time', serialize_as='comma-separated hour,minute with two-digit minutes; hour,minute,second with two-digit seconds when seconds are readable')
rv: 12,32
